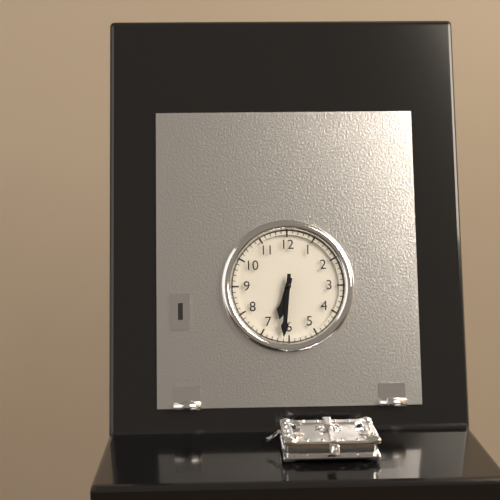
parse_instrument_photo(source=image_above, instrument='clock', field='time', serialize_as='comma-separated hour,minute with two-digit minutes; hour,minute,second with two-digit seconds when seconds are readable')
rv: 6,31
